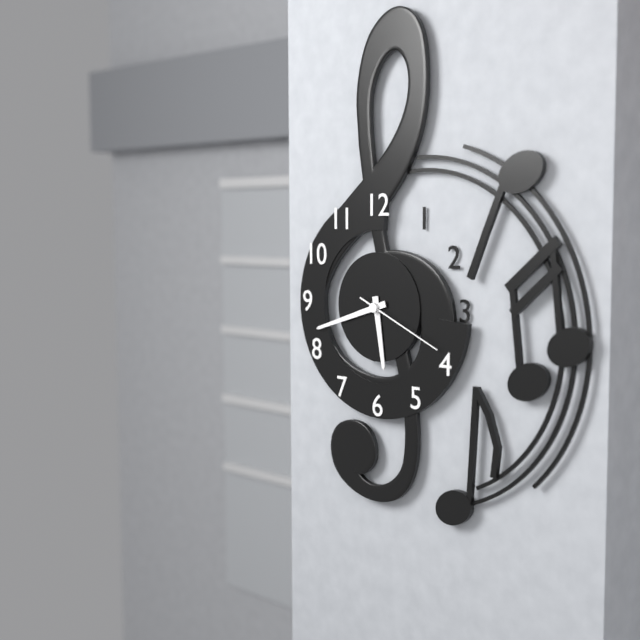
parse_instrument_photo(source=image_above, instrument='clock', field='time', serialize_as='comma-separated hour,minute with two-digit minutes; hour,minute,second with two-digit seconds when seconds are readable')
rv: 5,42,19
